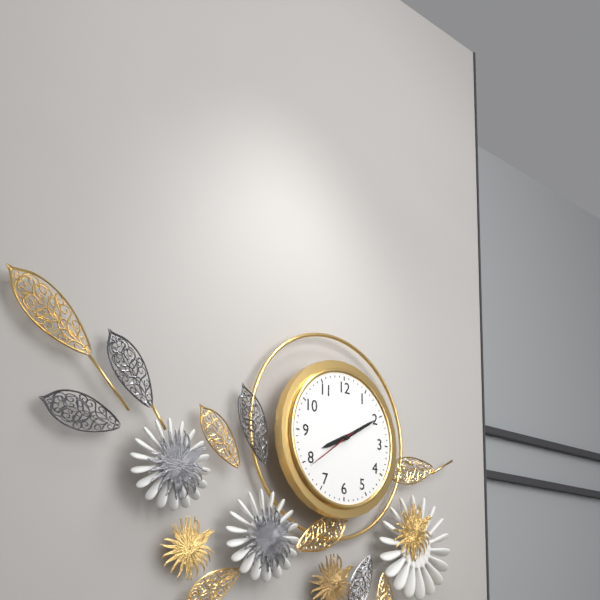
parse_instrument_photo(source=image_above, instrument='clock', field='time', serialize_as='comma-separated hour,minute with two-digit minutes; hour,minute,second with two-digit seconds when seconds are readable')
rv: 8,10,39
